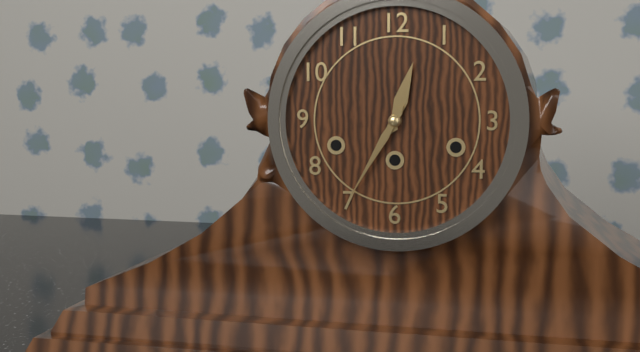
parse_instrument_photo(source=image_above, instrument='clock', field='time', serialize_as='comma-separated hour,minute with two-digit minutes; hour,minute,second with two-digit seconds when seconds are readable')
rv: 12,35
